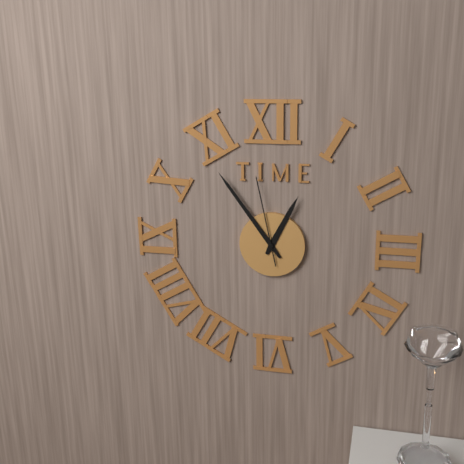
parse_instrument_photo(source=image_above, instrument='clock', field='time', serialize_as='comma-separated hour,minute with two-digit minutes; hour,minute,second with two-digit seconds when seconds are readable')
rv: 12,54,58
